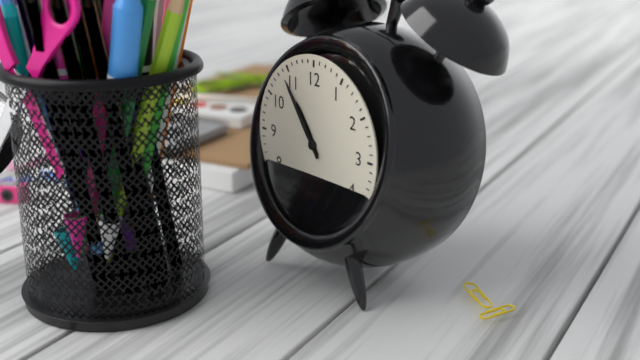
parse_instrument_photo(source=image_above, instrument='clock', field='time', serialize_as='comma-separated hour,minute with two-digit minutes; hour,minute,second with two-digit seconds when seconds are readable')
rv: 10,54
